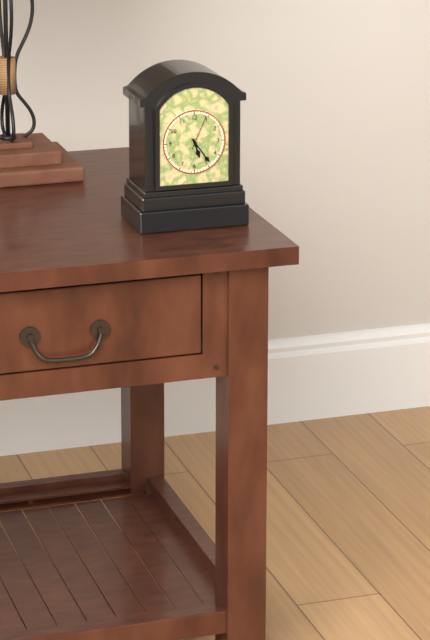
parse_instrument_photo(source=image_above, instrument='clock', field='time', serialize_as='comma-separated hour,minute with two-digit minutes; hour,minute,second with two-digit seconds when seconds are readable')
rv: 5,24
